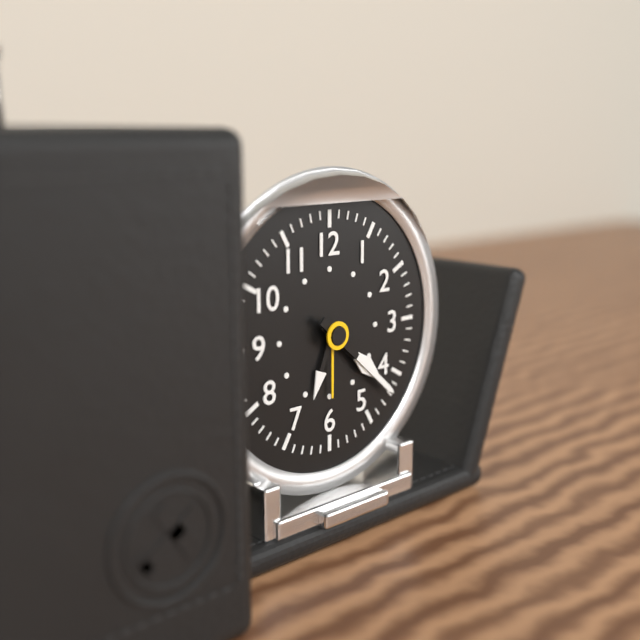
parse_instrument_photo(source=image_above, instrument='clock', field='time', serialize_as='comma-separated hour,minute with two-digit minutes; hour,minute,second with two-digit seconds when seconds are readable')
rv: 4,22
